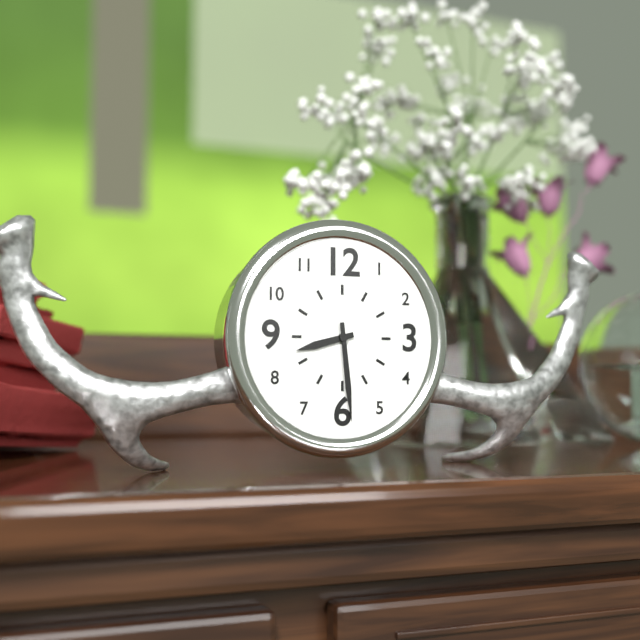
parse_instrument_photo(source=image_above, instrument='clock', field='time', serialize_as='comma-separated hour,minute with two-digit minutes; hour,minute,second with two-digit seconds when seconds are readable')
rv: 8,29
